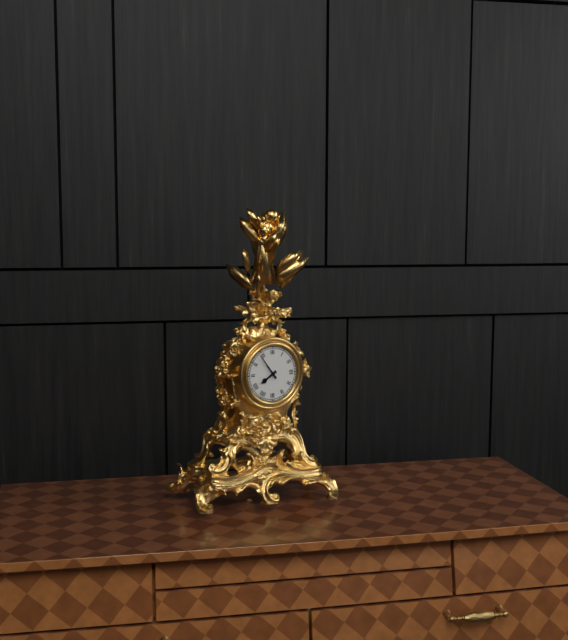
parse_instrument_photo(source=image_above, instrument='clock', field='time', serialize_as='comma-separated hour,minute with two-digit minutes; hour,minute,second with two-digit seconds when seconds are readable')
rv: 7,54
